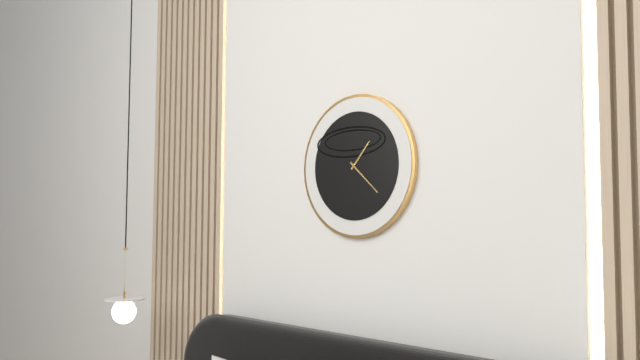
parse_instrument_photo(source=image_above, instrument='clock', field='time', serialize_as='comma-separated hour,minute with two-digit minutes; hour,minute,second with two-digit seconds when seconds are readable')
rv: 1,22
